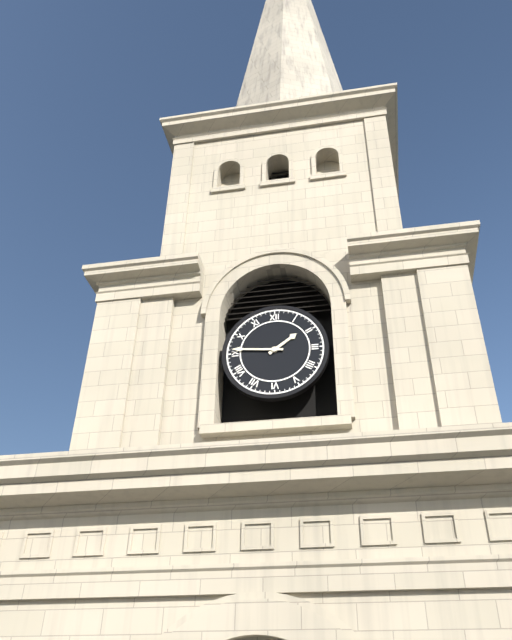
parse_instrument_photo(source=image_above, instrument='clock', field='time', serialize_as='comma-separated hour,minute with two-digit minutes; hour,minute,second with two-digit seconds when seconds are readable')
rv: 1,46
